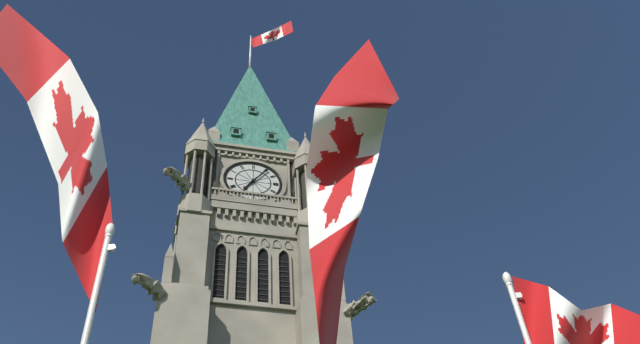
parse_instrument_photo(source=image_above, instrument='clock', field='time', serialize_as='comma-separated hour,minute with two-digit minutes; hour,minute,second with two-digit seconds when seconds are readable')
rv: 7,06
